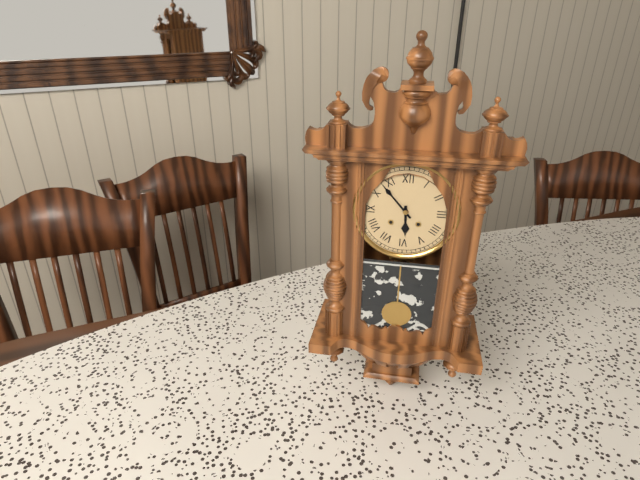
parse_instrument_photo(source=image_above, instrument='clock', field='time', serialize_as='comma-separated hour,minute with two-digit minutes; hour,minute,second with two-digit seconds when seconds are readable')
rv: 5,53
